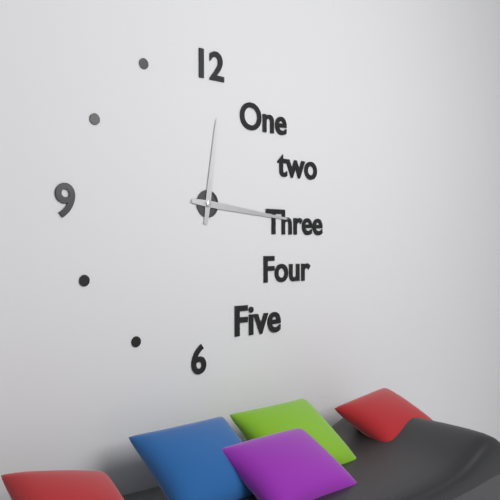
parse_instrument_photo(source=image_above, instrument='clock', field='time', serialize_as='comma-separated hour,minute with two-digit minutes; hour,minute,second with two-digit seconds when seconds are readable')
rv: 12,16
